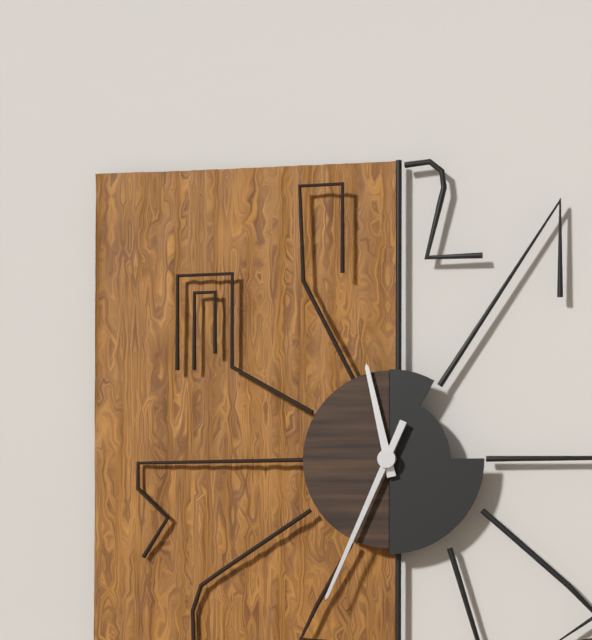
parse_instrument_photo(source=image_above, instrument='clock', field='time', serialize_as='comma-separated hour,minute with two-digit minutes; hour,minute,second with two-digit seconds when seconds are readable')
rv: 11,34
